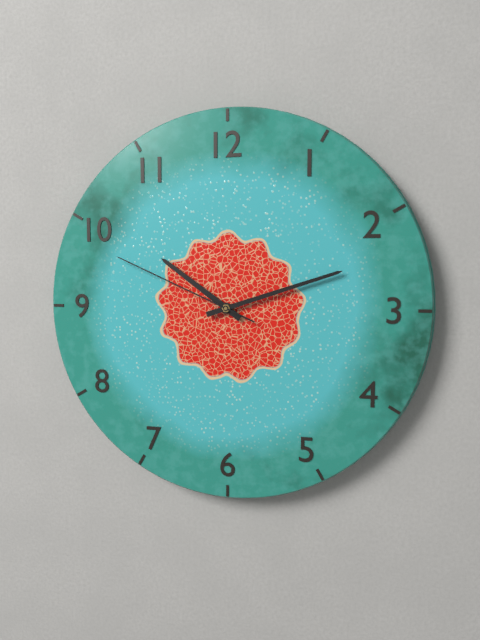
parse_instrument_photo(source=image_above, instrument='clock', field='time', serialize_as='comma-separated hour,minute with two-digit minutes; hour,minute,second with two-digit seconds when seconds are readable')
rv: 10,12,49
